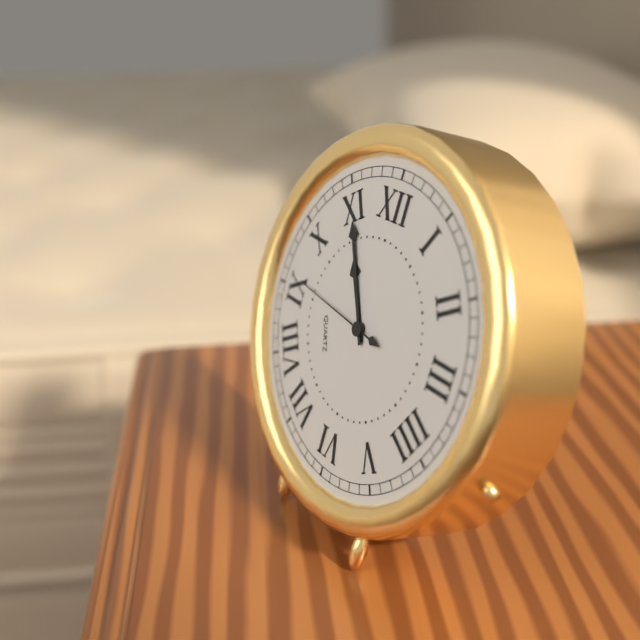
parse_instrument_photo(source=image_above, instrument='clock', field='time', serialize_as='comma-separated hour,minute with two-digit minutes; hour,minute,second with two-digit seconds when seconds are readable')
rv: 10,55,46
